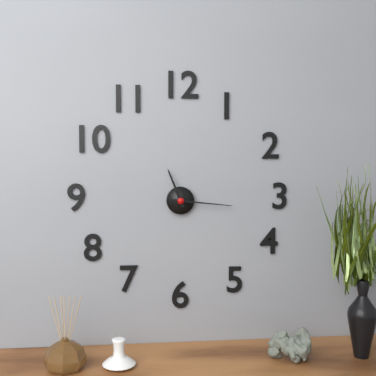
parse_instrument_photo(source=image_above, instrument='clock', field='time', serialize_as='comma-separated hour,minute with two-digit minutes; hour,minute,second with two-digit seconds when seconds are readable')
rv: 11,16
